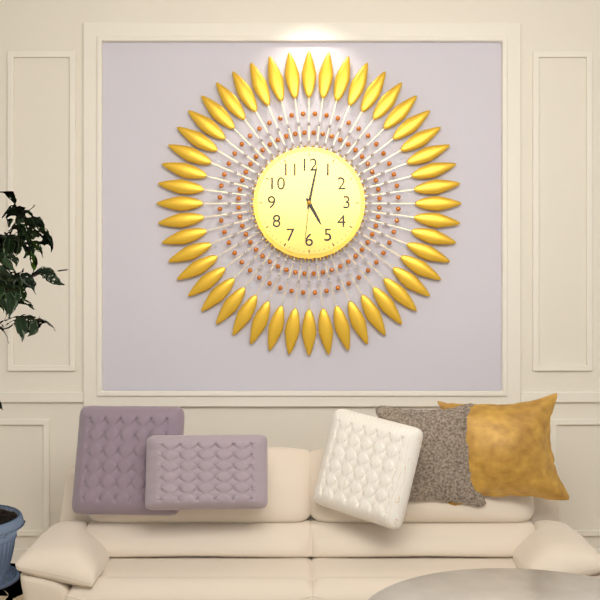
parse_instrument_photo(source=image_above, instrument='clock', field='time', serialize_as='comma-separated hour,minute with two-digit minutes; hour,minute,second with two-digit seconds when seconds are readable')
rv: 5,02,31
